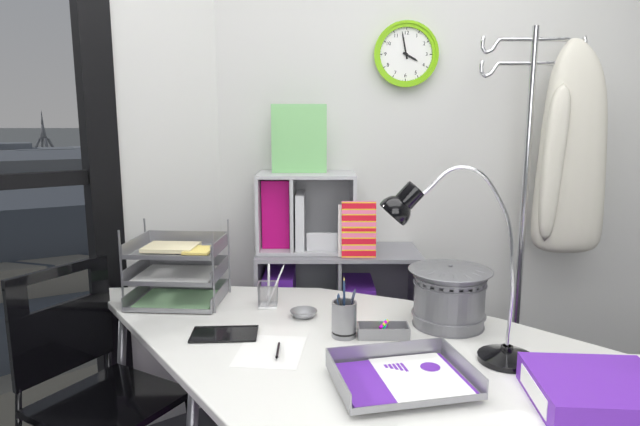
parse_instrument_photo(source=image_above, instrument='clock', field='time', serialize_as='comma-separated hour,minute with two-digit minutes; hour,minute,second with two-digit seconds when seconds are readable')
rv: 3,58
